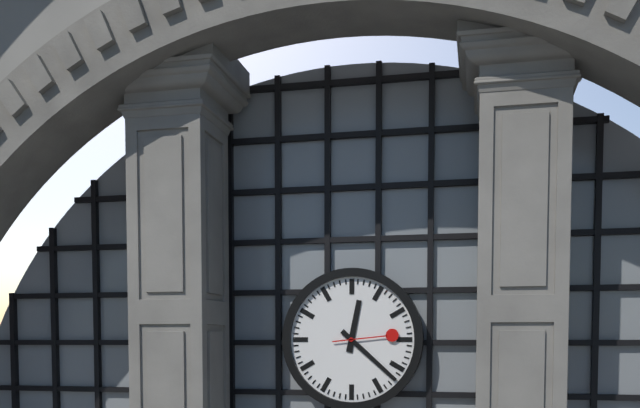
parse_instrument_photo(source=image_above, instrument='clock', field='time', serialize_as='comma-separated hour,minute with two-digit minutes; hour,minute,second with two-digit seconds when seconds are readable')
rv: 12,22,14
